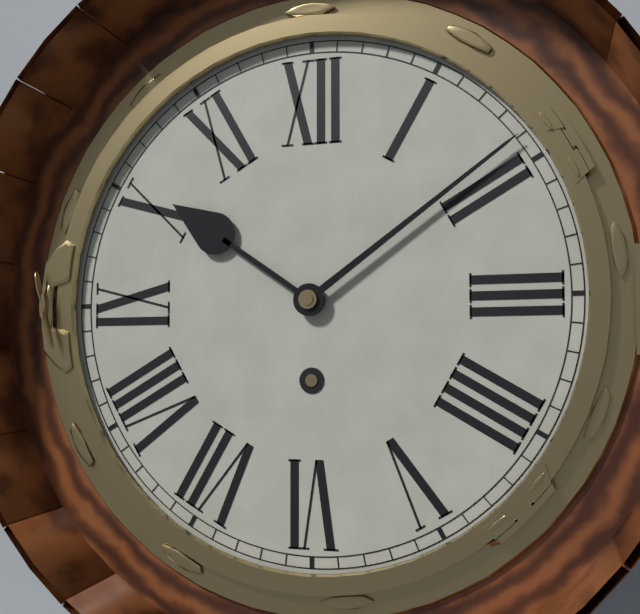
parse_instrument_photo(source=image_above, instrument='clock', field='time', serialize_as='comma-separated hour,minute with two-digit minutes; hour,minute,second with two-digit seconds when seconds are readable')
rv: 10,09
